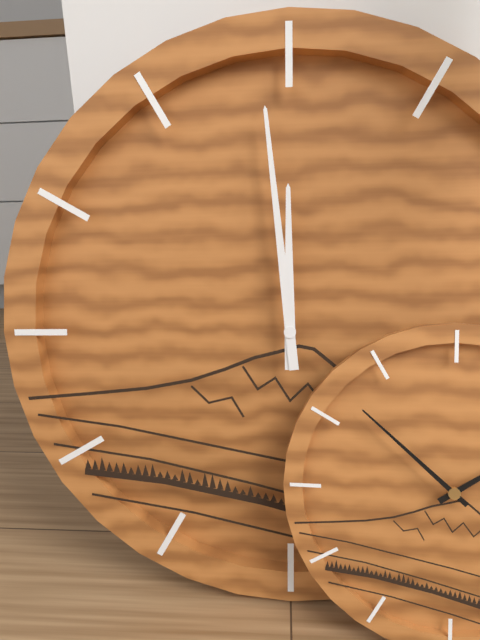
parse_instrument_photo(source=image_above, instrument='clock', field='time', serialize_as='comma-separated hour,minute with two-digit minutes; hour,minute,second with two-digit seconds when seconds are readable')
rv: 11,59
